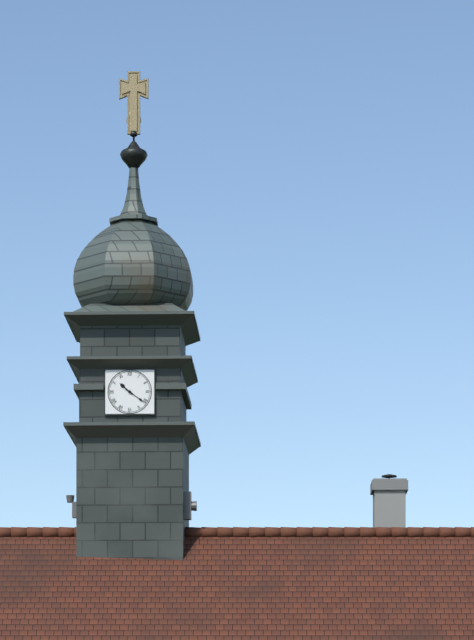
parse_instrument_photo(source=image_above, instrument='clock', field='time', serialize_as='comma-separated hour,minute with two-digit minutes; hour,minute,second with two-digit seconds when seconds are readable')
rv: 10,21
